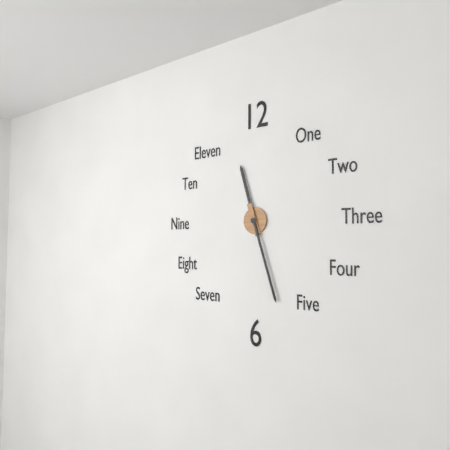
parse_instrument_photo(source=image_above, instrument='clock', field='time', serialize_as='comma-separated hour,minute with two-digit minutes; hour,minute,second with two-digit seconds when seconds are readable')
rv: 11,27
